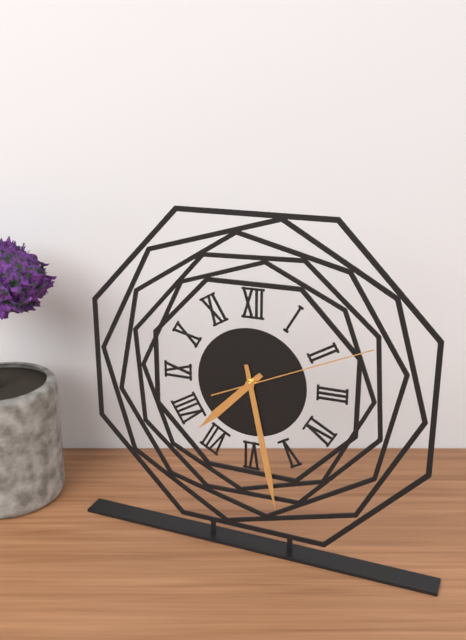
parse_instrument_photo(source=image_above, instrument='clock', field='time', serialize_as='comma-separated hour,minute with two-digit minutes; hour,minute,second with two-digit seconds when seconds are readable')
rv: 7,28,11
